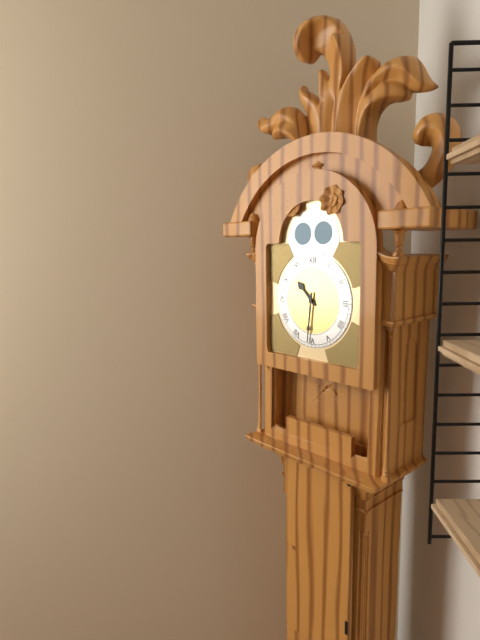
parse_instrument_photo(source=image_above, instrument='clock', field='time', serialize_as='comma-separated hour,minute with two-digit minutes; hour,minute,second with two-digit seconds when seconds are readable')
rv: 10,31
